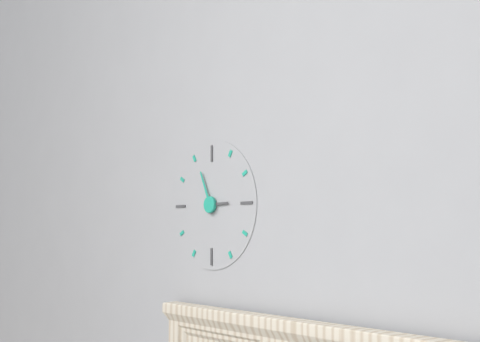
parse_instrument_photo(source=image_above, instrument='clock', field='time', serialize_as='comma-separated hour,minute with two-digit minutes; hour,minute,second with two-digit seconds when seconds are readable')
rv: 2,56
